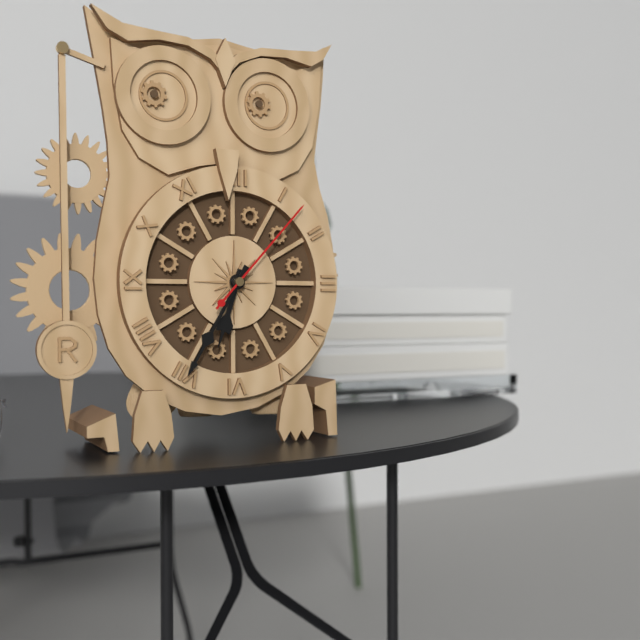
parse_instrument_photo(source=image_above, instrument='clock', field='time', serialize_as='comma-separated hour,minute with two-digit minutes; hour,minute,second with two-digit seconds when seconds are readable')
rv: 6,35,07
